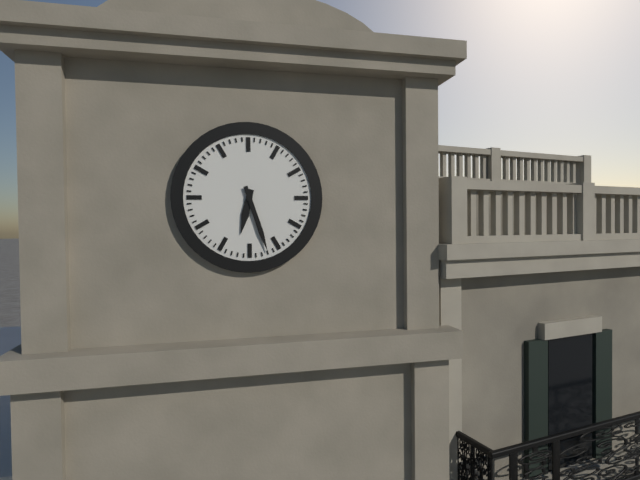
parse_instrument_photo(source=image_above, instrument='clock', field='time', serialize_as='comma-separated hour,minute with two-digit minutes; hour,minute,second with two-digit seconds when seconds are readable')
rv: 6,27
